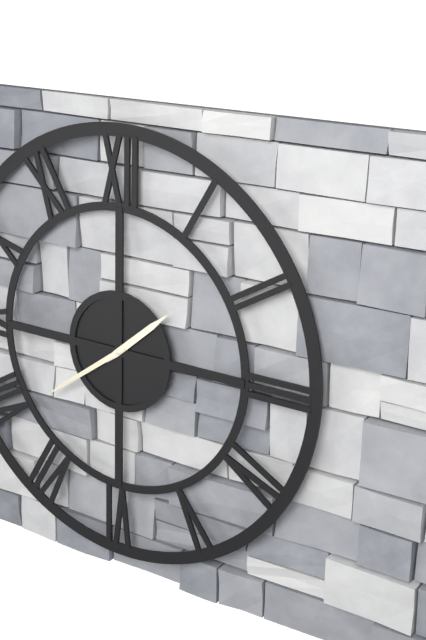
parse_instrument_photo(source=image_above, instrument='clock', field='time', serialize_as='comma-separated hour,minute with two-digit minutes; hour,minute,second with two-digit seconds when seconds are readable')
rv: 1,39
